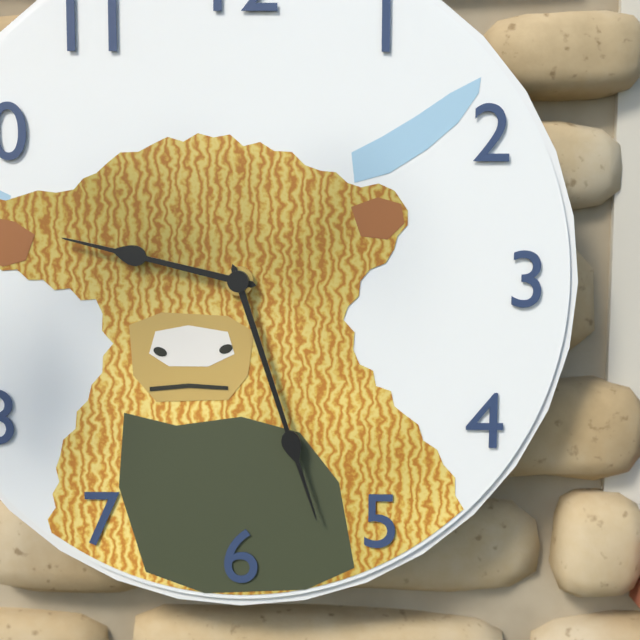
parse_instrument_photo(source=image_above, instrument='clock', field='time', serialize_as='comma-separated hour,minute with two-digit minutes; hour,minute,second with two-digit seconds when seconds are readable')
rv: 9,27
